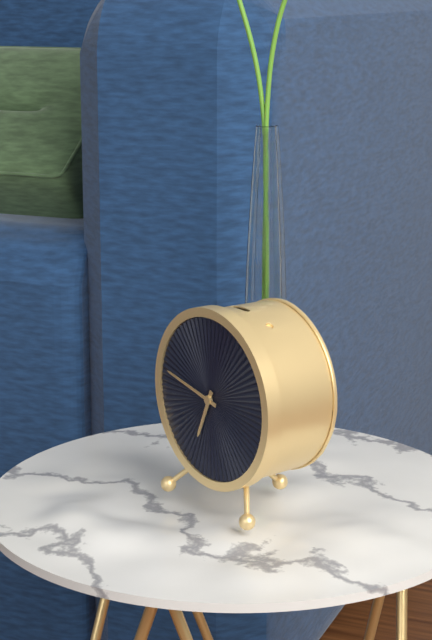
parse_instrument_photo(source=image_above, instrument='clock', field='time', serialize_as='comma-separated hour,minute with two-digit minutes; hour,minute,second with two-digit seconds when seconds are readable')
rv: 6,47
